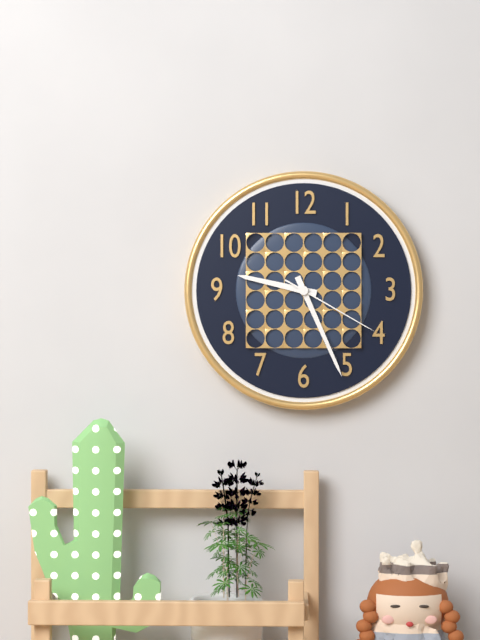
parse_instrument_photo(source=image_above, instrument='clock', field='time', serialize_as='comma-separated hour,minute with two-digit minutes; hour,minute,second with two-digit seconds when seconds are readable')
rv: 9,26,20
